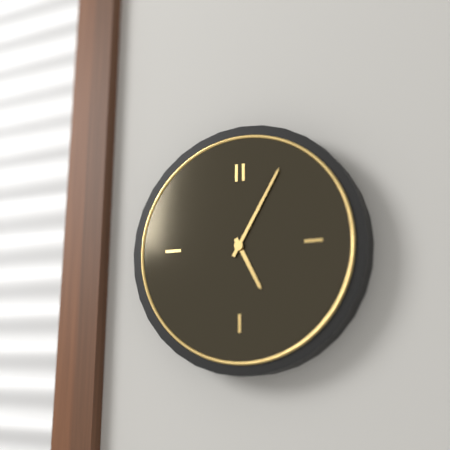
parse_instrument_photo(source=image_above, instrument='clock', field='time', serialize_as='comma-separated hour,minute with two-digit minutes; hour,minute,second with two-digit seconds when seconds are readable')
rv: 5,05
